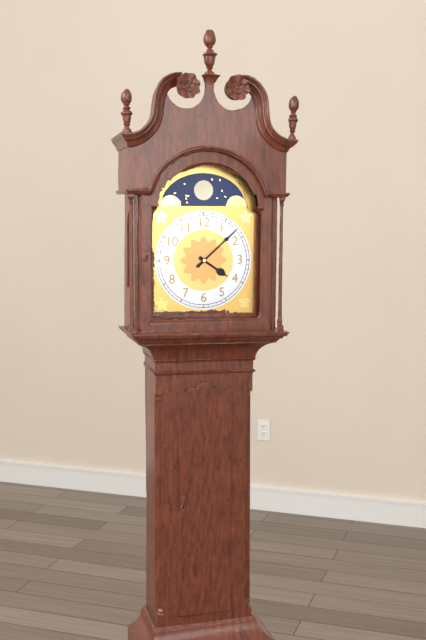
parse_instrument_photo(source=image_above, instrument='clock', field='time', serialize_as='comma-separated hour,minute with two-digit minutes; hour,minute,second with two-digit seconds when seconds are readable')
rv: 4,08
